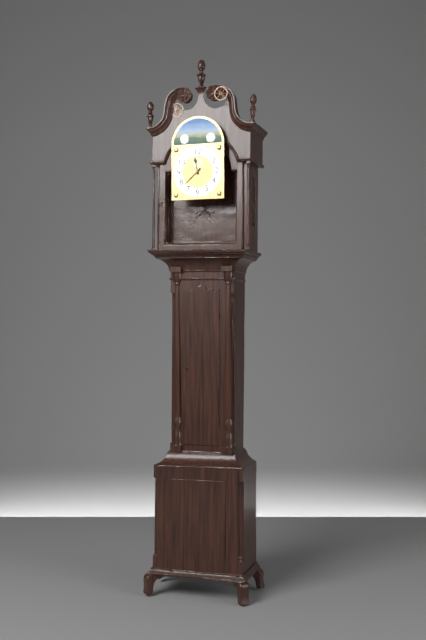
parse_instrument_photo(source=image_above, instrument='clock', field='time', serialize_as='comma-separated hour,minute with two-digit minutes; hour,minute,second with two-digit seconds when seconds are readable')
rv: 11,38
